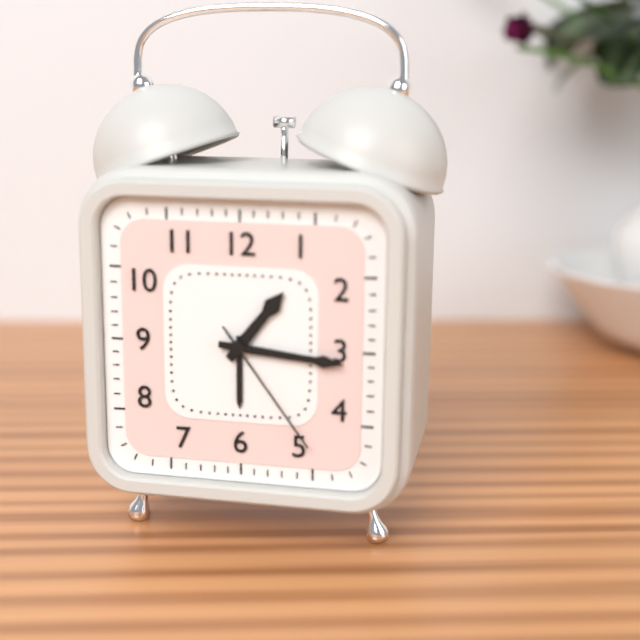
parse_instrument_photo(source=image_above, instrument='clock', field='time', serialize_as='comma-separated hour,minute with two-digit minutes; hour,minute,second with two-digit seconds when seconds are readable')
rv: 1,16,24
